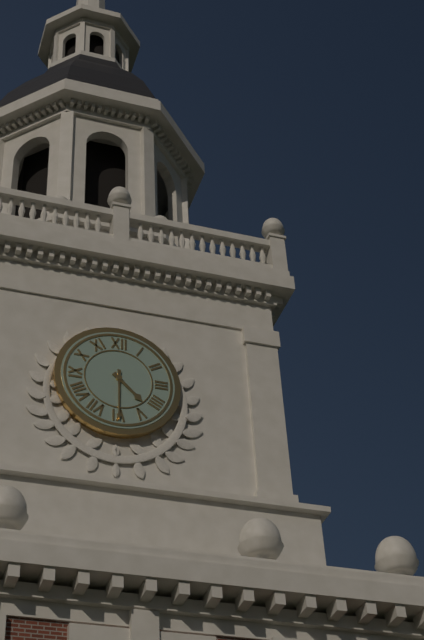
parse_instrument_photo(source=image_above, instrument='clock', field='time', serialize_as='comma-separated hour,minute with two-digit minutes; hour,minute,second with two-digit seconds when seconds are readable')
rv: 4,30
